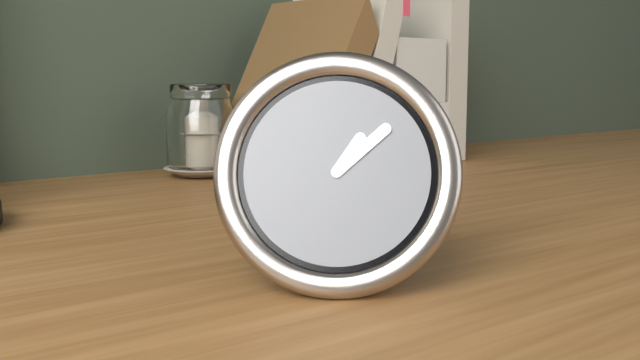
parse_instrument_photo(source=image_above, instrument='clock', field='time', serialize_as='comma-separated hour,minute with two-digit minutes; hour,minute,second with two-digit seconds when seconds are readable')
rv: 1,08
